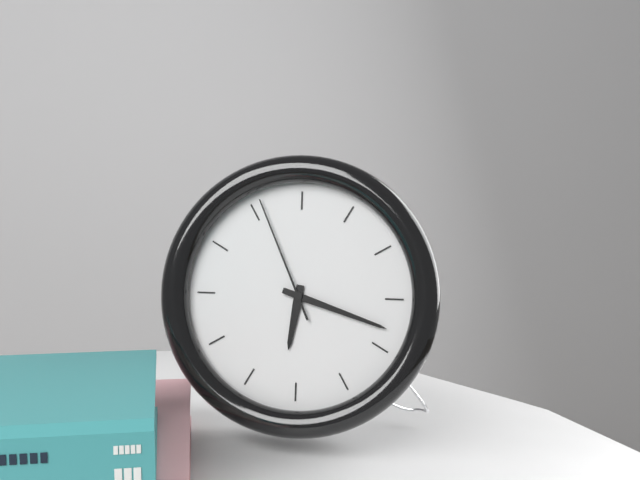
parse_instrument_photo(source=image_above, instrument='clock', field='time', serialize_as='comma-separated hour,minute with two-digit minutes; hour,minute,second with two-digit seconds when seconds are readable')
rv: 6,18,56
